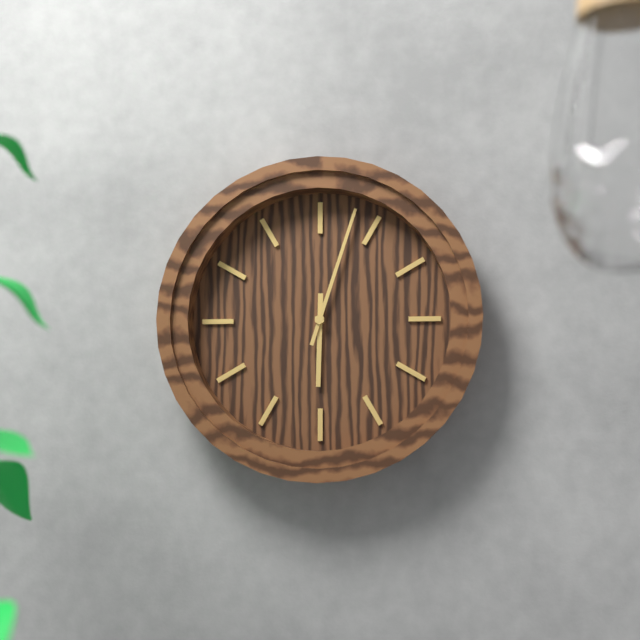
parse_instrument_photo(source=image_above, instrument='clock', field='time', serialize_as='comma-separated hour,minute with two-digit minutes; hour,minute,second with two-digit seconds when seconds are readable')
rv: 6,03
